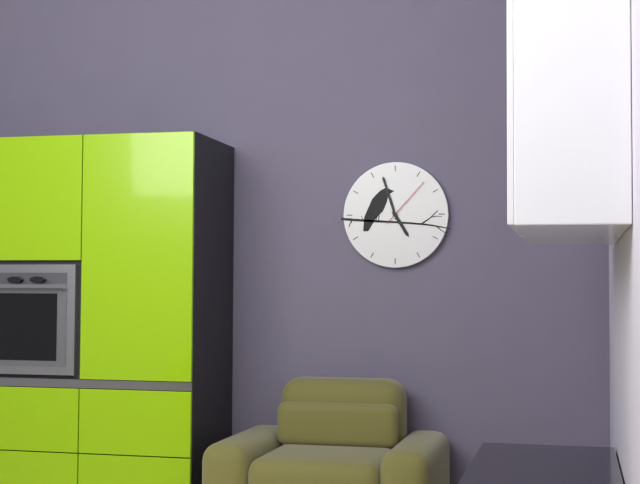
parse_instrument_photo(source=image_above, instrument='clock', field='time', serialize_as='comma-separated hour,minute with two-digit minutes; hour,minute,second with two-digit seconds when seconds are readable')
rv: 4,57,07
